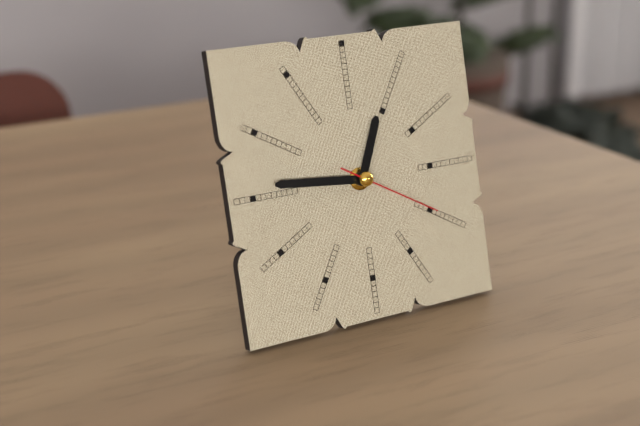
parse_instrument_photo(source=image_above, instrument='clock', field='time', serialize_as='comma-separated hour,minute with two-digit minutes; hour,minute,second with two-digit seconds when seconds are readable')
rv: 12,46,20
